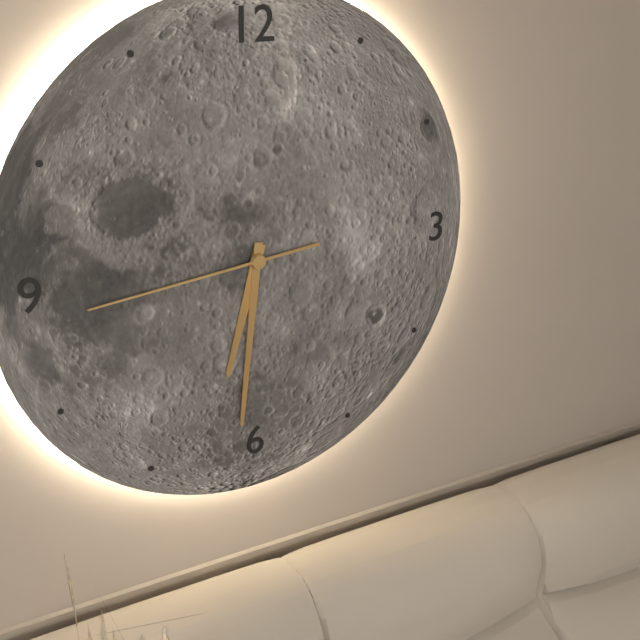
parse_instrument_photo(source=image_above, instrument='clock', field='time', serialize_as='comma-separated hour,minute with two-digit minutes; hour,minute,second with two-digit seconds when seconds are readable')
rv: 6,31,44
